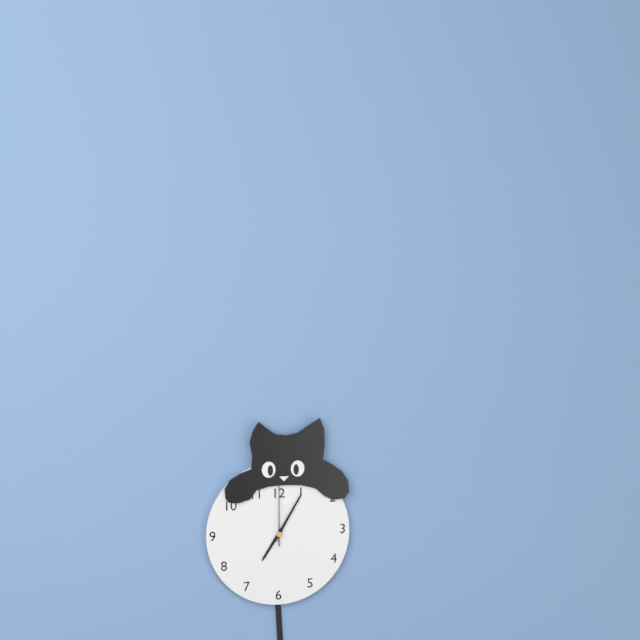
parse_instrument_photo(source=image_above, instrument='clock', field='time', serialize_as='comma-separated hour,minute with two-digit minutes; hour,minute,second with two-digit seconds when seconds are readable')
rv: 7,05,00
